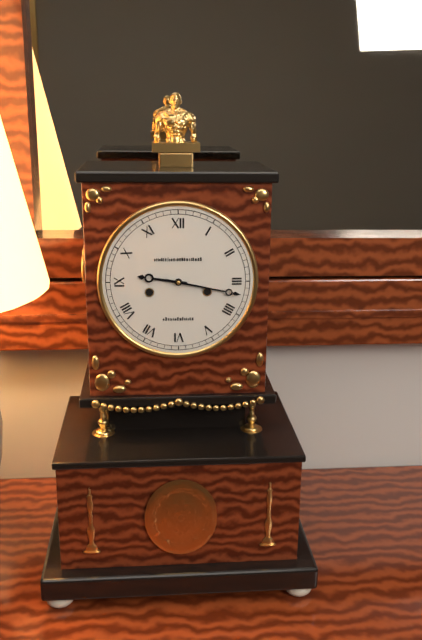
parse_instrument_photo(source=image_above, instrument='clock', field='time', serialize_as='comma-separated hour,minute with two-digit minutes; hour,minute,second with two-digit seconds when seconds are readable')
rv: 9,17
